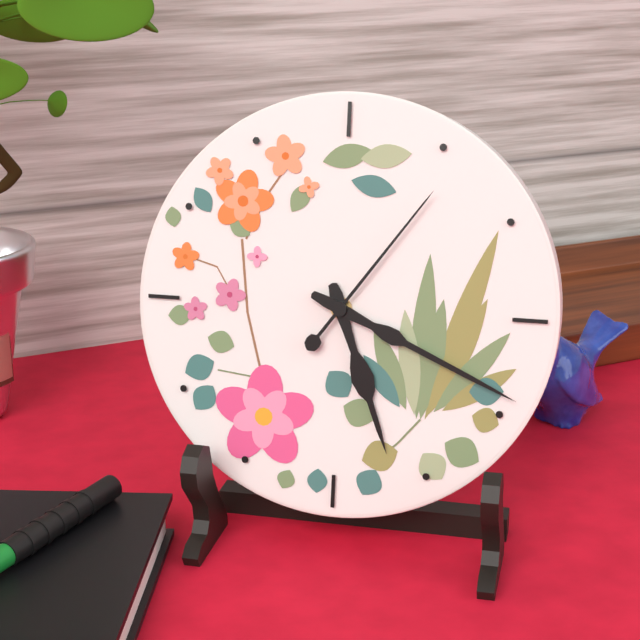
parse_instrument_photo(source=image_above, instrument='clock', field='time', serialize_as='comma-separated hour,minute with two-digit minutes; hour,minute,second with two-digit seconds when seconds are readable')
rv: 5,19,06
